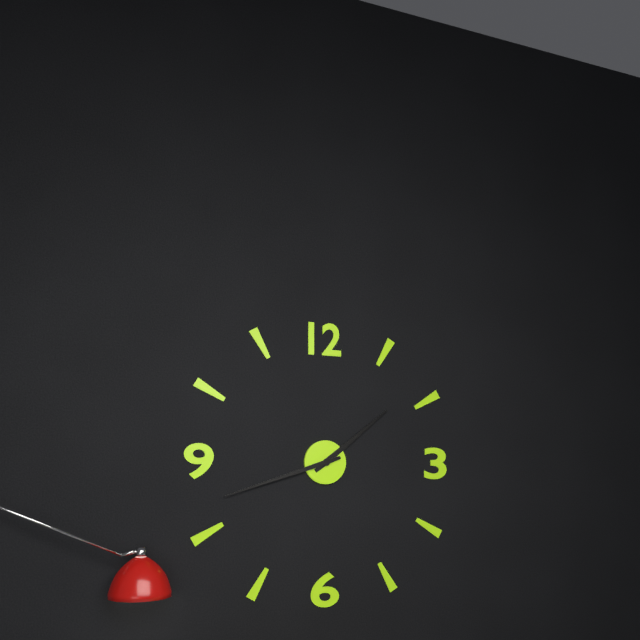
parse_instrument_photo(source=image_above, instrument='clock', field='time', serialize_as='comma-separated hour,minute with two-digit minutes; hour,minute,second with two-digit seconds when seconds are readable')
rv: 1,42
